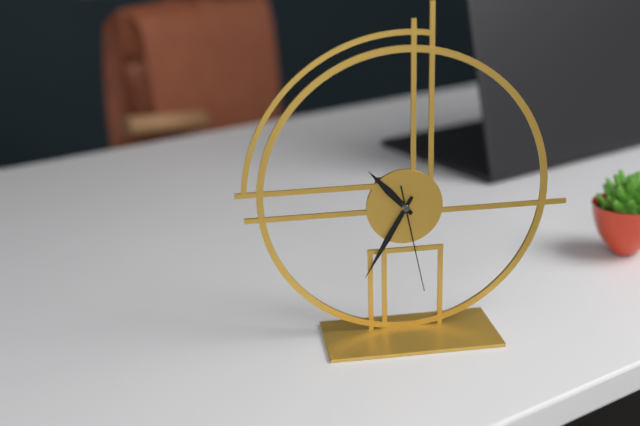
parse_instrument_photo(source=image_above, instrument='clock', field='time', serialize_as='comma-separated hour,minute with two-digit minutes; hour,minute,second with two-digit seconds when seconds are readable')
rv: 10,35,28
